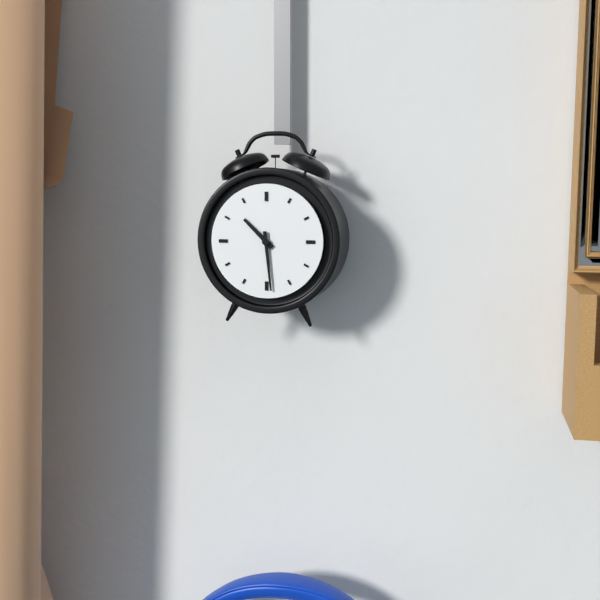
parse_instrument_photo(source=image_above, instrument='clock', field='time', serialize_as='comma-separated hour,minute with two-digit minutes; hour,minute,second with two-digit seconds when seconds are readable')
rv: 10,29
